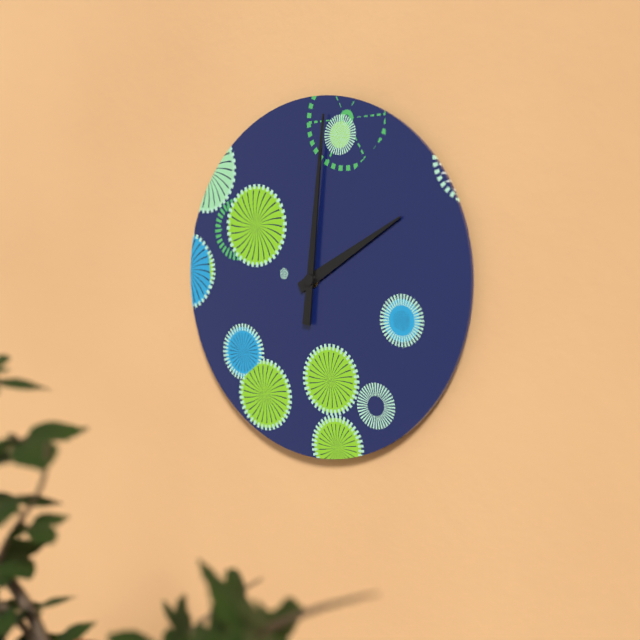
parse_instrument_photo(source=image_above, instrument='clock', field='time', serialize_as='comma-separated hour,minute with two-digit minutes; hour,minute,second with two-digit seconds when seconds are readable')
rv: 2,01
